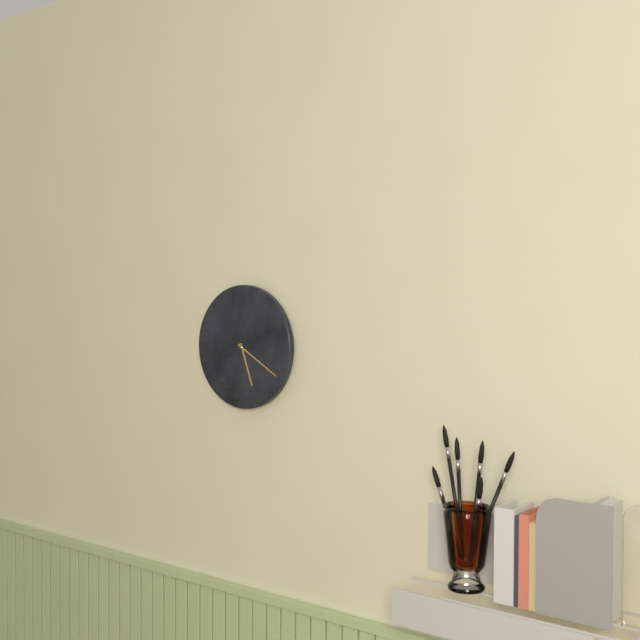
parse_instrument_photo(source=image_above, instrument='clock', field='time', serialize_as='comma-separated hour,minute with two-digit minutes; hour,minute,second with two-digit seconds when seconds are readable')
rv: 5,20
